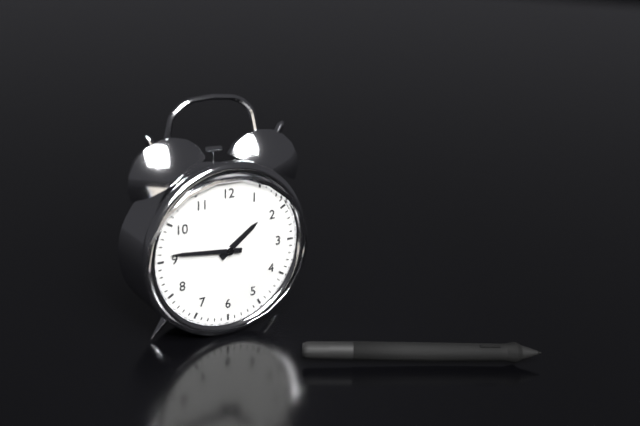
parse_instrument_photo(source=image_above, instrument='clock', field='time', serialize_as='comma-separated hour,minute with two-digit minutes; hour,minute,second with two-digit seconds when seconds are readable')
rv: 1,46
